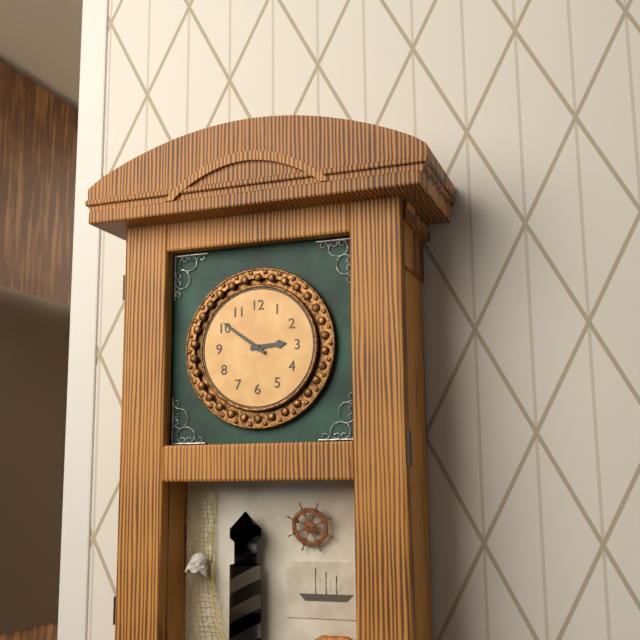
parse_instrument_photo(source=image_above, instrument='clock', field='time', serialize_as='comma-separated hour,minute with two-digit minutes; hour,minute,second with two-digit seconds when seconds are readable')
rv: 2,51
